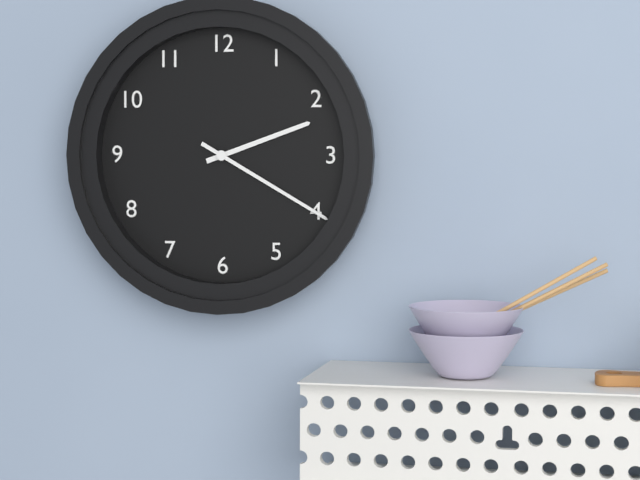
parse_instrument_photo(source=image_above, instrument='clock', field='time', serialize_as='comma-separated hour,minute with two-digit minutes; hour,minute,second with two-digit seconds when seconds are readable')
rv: 2,20
